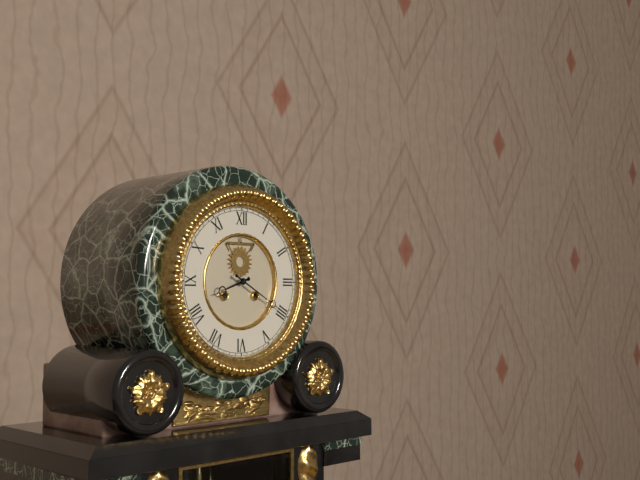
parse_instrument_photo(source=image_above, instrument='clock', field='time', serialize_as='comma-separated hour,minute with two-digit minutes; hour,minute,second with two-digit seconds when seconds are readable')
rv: 8,20
